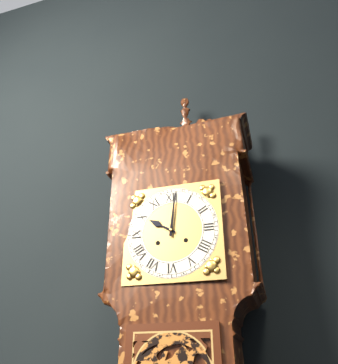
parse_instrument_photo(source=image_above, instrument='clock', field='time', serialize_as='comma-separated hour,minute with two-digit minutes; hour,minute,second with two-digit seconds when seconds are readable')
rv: 10,01
